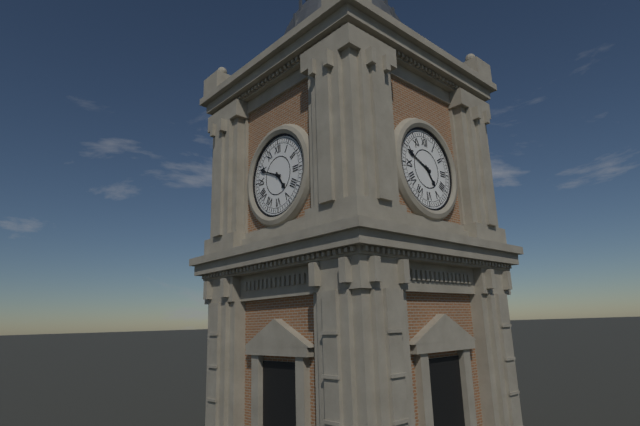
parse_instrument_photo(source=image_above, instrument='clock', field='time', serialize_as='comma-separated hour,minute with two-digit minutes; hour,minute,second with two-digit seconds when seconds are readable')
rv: 4,49
